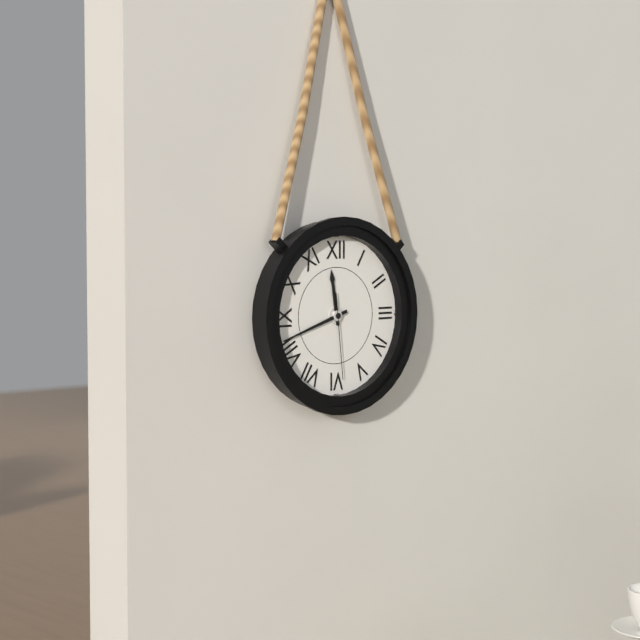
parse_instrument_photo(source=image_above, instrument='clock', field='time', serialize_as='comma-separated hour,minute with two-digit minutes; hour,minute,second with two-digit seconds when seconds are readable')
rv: 11,42,29
